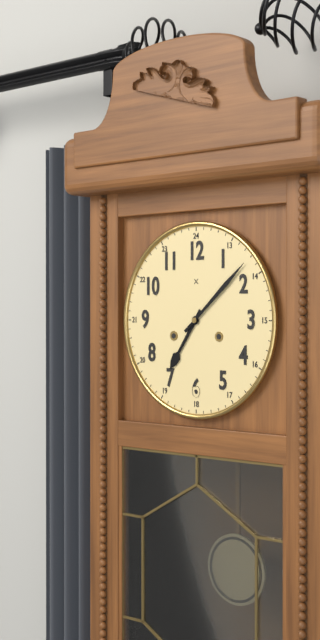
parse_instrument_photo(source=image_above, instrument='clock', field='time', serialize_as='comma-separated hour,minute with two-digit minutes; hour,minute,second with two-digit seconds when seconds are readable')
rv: 7,08
